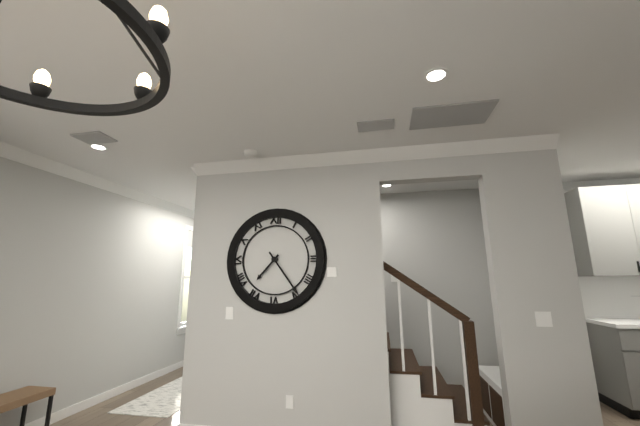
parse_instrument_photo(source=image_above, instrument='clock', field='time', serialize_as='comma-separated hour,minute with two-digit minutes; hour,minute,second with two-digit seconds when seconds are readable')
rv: 7,24
